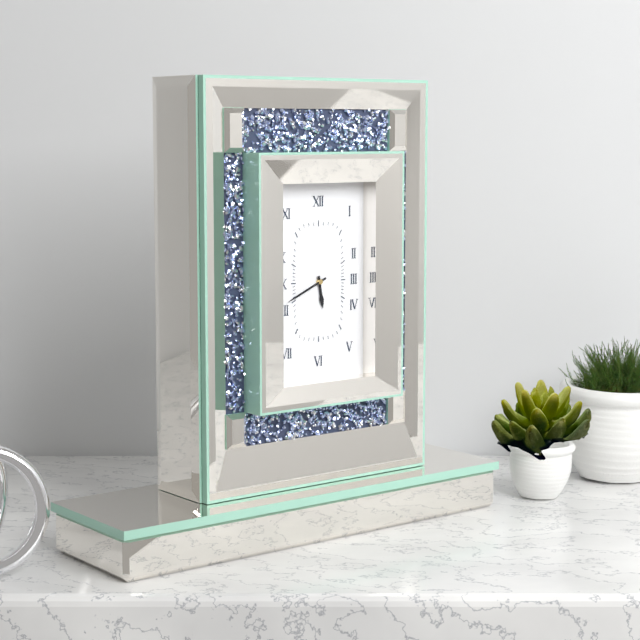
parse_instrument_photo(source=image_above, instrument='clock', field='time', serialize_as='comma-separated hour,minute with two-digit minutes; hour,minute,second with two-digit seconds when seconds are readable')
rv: 5,41
